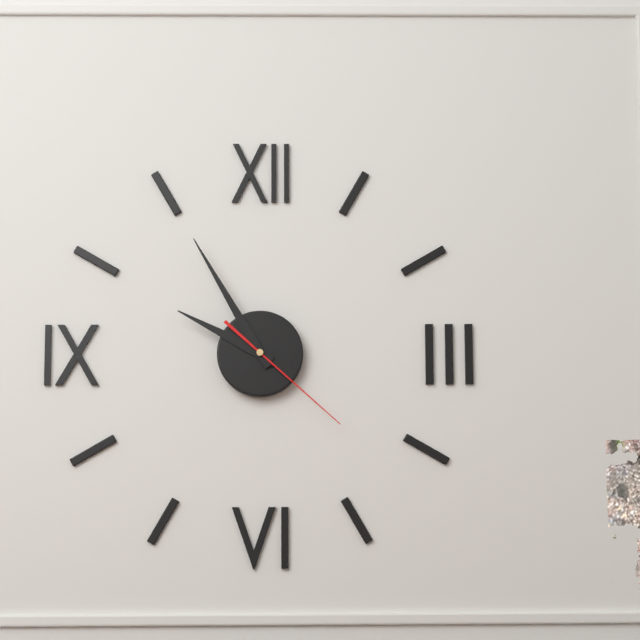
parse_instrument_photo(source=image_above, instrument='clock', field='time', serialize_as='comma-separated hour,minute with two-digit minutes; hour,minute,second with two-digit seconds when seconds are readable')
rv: 9,55,22
